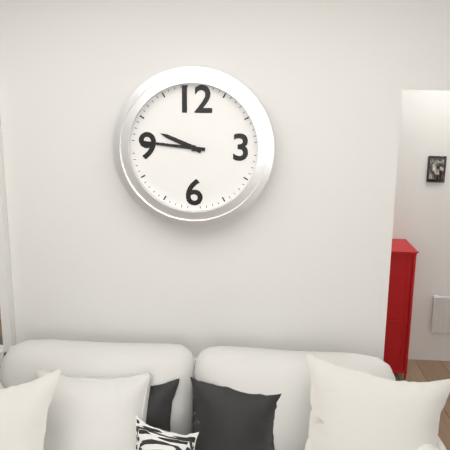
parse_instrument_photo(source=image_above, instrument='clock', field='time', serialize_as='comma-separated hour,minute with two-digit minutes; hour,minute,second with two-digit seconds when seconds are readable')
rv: 9,46
